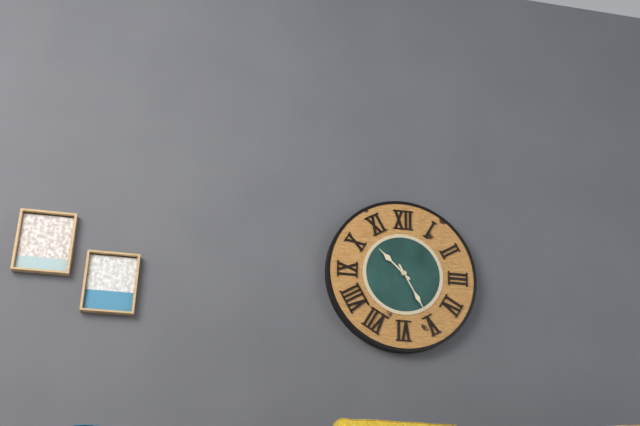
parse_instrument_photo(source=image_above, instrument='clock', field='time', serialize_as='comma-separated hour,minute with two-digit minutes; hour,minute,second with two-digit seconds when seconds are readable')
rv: 10,25
